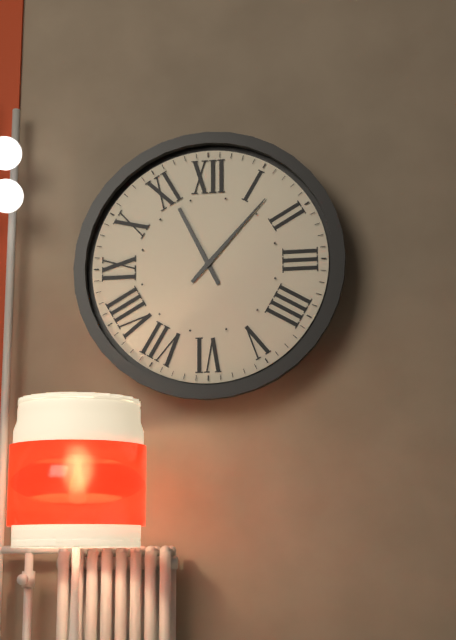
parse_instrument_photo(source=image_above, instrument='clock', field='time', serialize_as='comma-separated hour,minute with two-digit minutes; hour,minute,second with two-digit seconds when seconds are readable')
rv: 11,07
